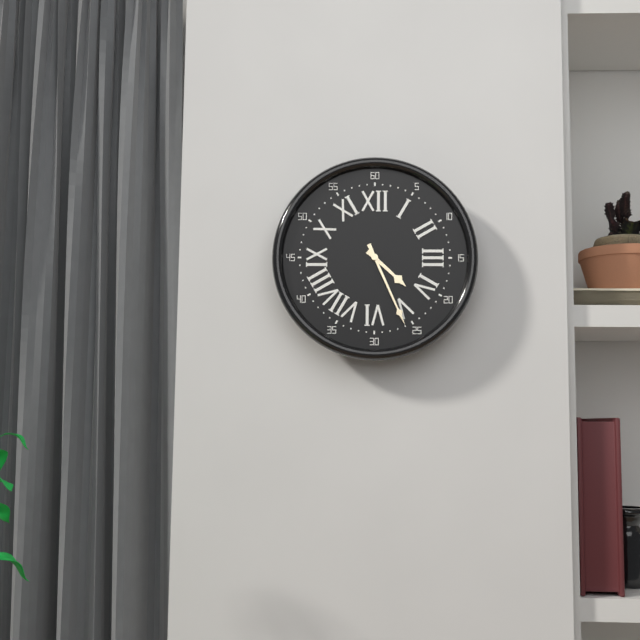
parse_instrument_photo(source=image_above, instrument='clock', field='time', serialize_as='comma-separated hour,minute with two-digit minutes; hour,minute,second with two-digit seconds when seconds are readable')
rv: 4,26
